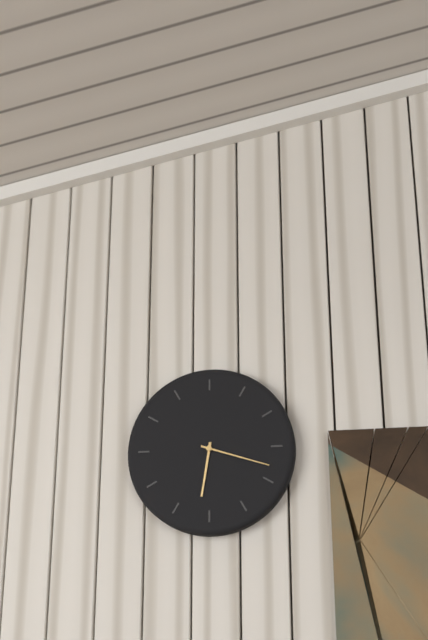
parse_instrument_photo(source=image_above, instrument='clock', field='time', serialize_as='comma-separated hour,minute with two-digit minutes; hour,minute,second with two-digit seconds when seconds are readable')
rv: 6,18
